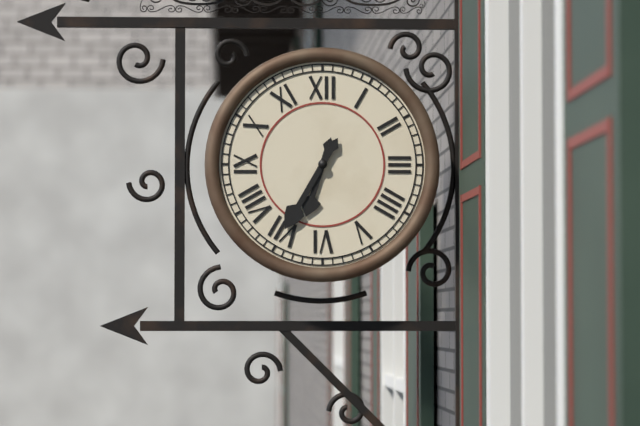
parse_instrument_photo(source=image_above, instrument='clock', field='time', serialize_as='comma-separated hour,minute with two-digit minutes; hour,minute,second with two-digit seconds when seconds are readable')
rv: 6,35
